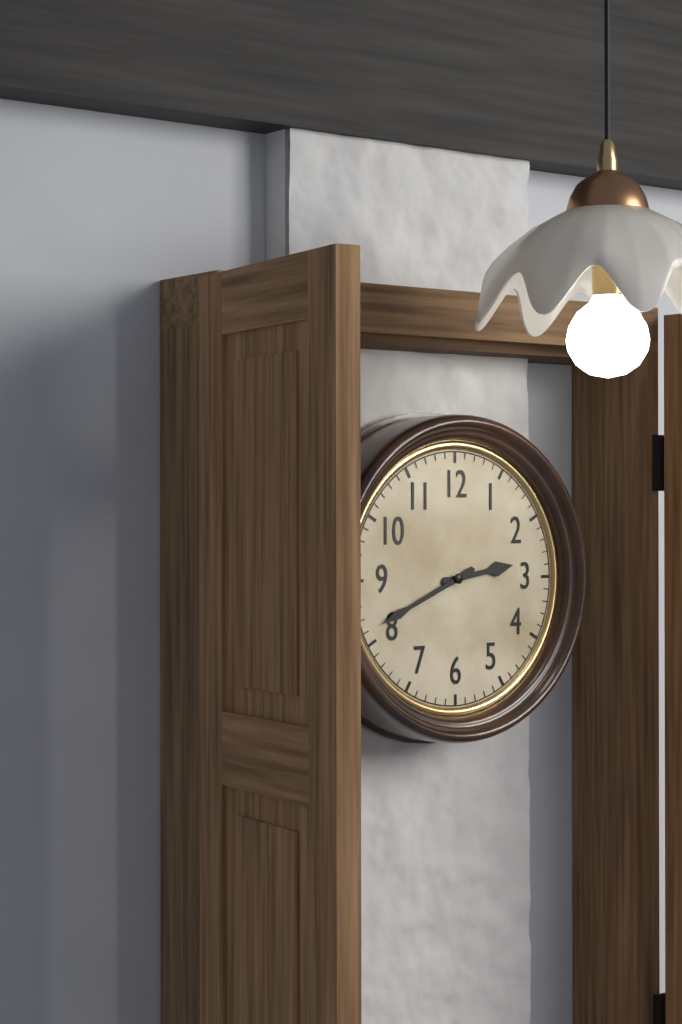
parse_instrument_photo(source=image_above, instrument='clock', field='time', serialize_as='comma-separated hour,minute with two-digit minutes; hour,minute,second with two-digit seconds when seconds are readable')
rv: 2,41
